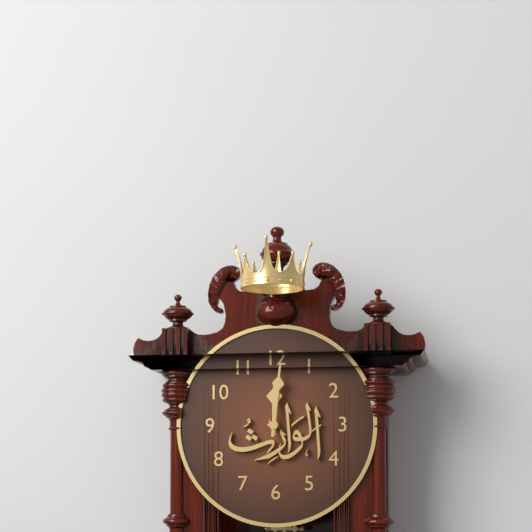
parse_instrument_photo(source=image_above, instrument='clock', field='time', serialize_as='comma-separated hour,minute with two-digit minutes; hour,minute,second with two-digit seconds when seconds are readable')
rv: 12,01
